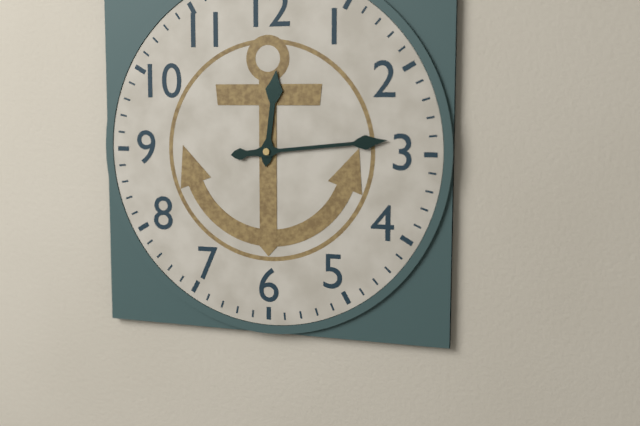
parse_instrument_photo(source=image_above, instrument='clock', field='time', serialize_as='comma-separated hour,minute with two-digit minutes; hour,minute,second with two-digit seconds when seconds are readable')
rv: 12,14
